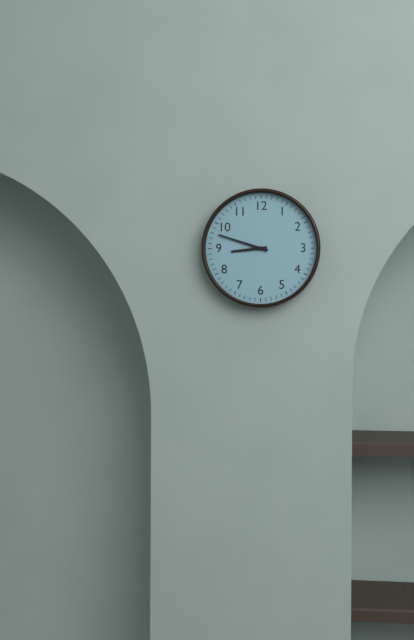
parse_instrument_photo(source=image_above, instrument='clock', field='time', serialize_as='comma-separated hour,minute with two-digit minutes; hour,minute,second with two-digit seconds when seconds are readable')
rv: 8,48
